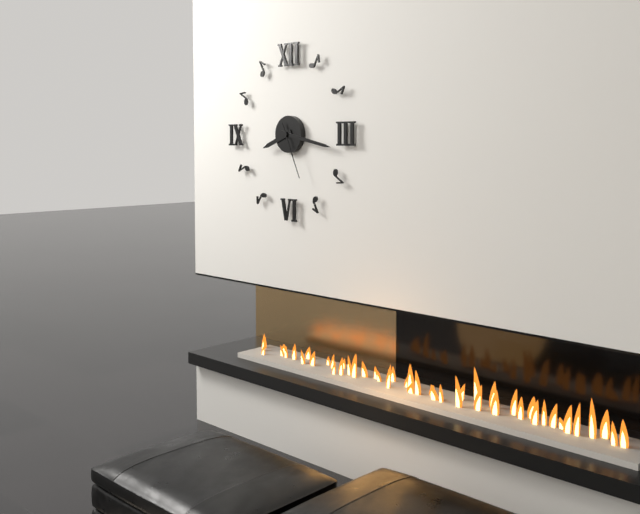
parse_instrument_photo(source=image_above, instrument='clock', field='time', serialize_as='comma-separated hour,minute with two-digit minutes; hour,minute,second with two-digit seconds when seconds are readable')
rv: 8,17,26
